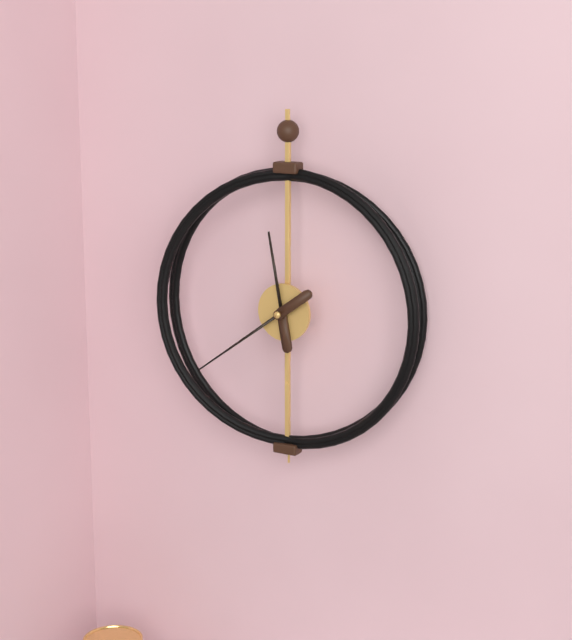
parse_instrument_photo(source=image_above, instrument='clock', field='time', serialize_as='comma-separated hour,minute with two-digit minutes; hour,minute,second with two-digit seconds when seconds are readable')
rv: 11,39
